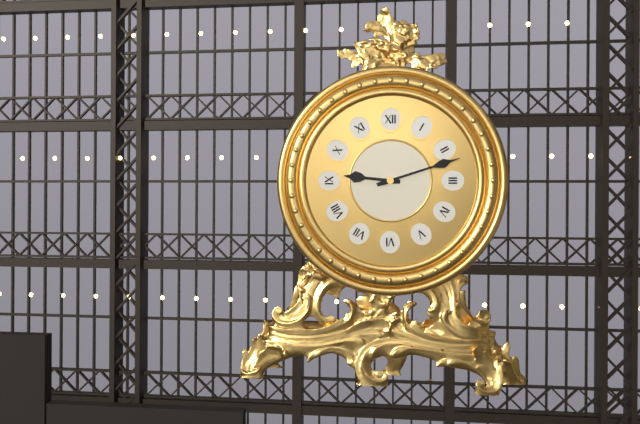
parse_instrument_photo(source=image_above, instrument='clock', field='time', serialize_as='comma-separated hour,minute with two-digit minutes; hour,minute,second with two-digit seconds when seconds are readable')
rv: 9,12
